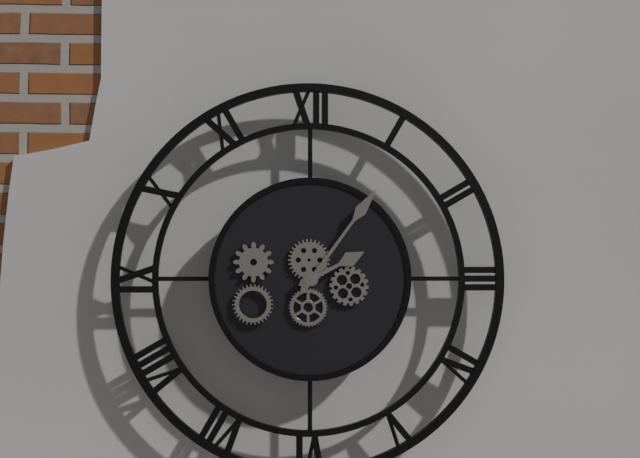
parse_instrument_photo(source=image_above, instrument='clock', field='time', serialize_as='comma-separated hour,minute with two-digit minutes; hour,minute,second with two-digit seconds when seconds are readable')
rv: 2,06
